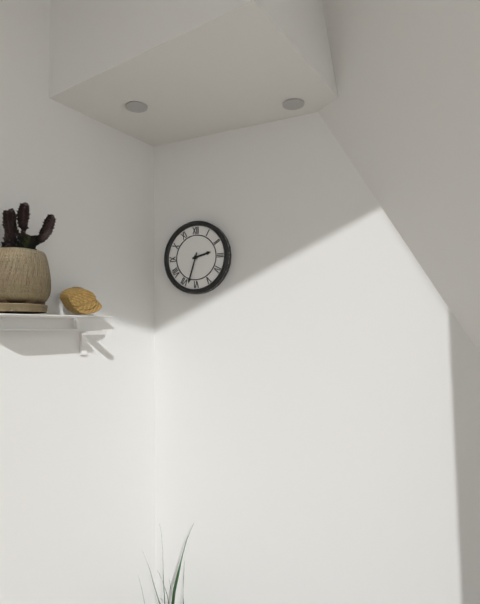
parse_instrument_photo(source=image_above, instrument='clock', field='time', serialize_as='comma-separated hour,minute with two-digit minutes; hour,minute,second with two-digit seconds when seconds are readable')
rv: 2,33
